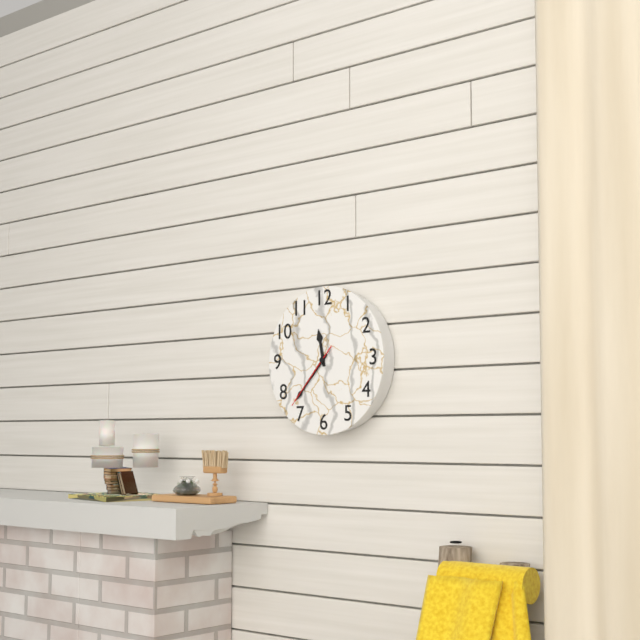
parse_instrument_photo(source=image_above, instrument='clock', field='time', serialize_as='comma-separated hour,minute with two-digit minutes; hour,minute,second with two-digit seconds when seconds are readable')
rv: 11,37,37
